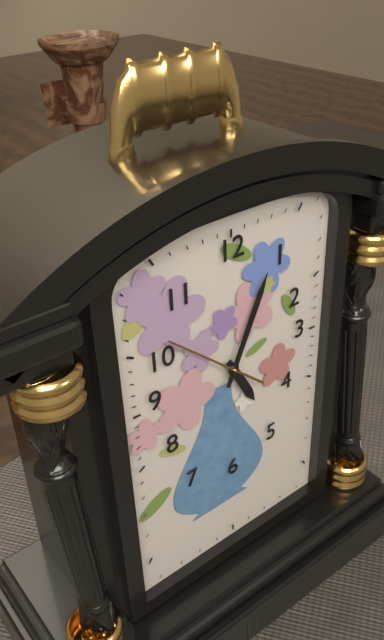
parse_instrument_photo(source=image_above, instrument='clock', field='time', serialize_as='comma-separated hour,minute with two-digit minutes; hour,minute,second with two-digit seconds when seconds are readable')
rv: 5,04,52
